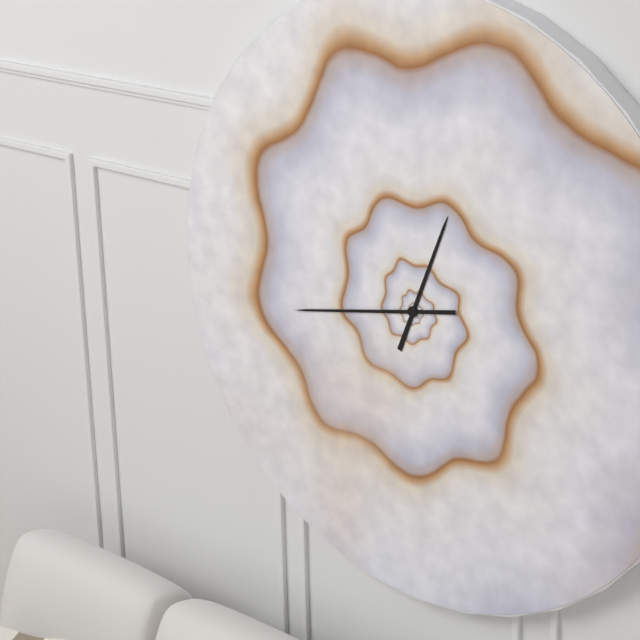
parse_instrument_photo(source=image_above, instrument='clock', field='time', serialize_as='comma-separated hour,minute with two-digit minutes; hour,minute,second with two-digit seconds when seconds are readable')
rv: 12,43
